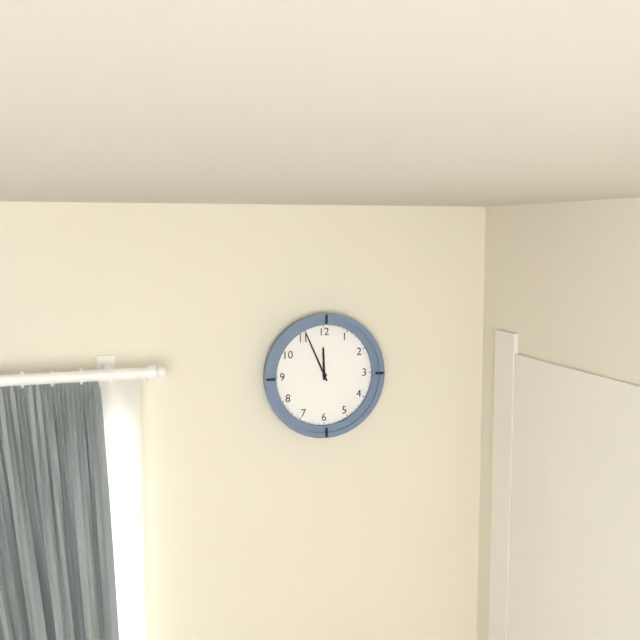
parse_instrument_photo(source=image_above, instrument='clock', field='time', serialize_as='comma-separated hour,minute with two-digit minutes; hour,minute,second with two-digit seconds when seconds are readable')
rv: 11,56
